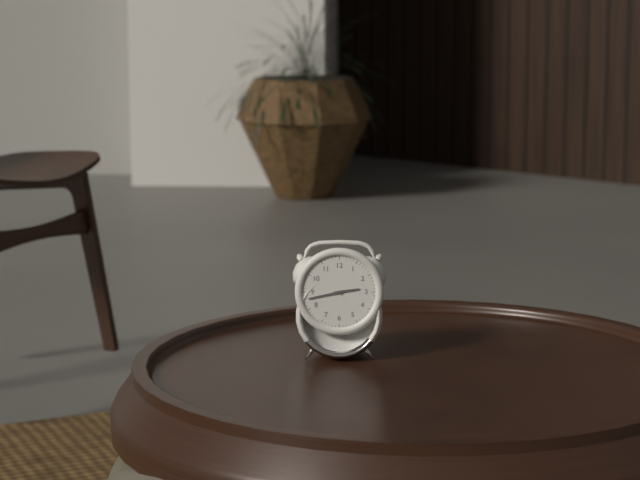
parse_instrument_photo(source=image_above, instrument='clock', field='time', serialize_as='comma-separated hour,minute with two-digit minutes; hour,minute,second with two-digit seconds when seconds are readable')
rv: 2,43
